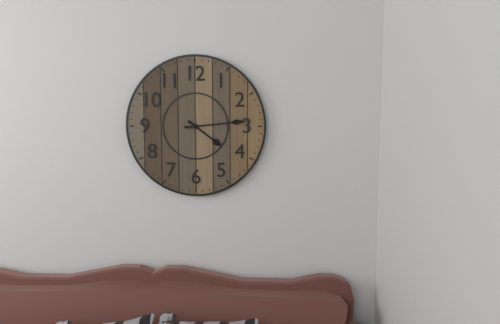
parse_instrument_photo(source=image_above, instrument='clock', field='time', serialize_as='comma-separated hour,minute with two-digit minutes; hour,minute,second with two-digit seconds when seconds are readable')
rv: 4,14
